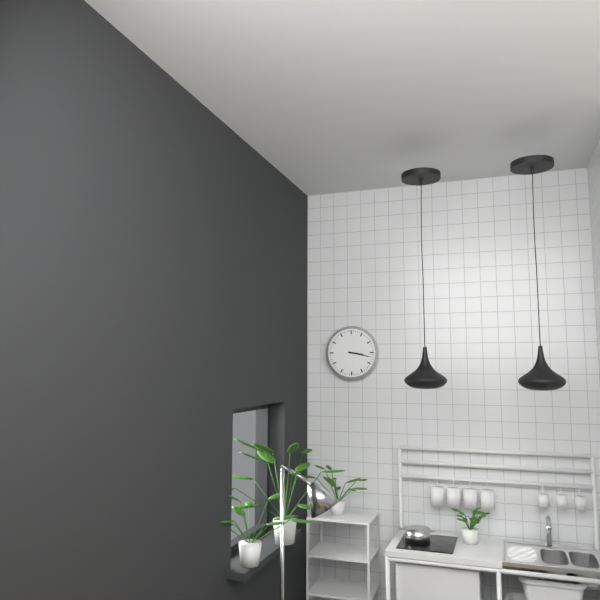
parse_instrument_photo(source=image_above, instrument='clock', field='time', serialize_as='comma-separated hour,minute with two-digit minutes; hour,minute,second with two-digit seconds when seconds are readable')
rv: 3,17
